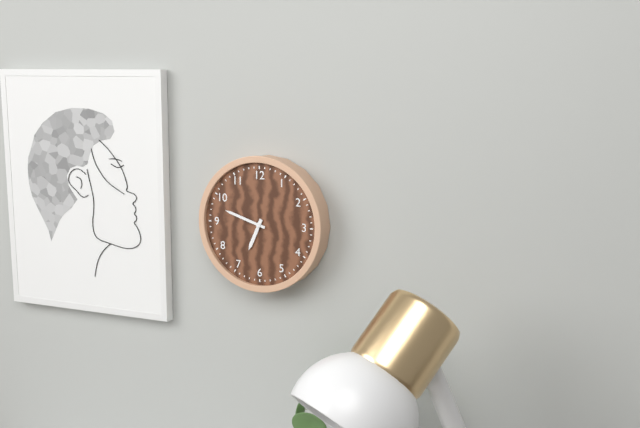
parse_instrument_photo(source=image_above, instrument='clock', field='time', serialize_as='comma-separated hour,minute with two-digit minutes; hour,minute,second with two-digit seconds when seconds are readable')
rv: 6,48
